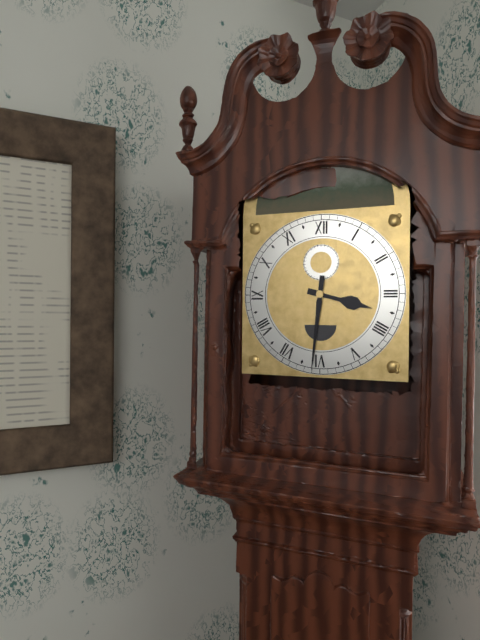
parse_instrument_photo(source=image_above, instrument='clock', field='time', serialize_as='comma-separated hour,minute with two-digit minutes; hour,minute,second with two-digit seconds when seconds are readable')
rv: 3,31
